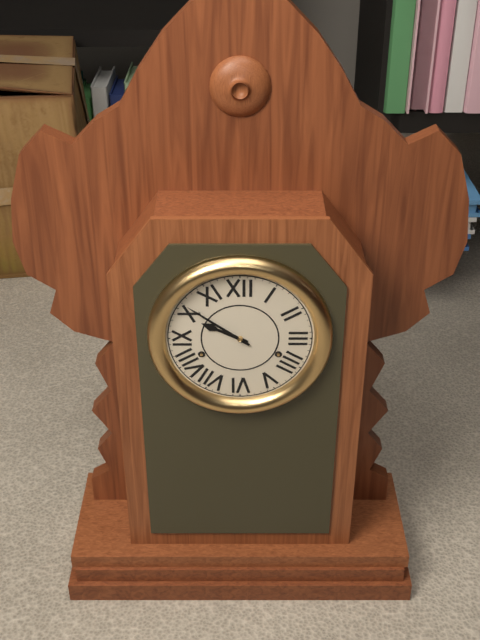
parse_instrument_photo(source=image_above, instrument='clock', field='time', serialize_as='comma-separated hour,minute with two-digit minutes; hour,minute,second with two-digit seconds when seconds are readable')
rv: 9,51
